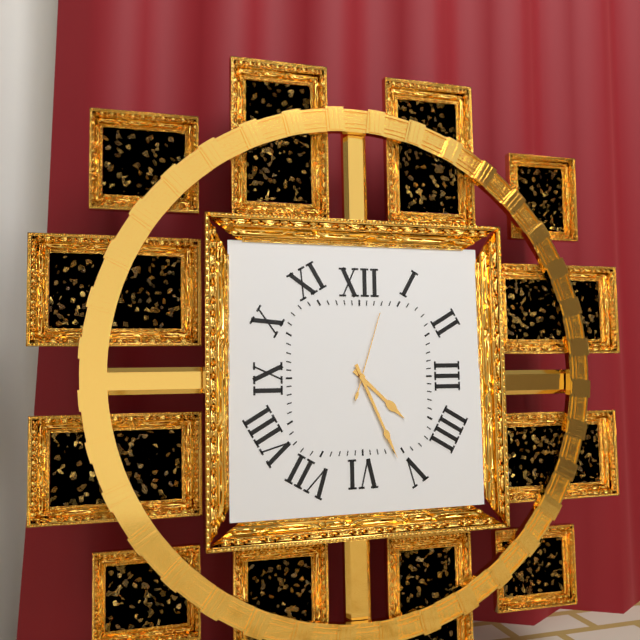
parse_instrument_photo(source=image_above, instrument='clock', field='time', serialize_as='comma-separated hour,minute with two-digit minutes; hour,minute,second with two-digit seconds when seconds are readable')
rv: 4,26,03
